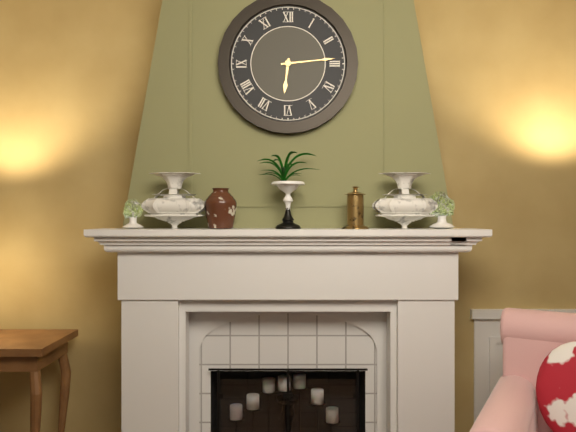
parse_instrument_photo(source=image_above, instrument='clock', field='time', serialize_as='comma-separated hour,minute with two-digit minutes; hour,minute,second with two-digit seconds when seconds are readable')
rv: 6,14
